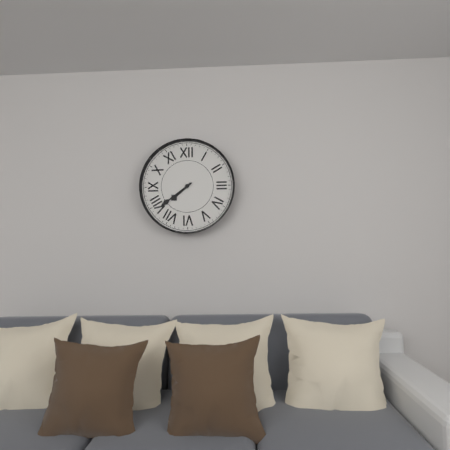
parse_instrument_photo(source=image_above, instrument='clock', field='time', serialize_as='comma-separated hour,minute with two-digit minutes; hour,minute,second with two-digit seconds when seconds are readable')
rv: 7,39
